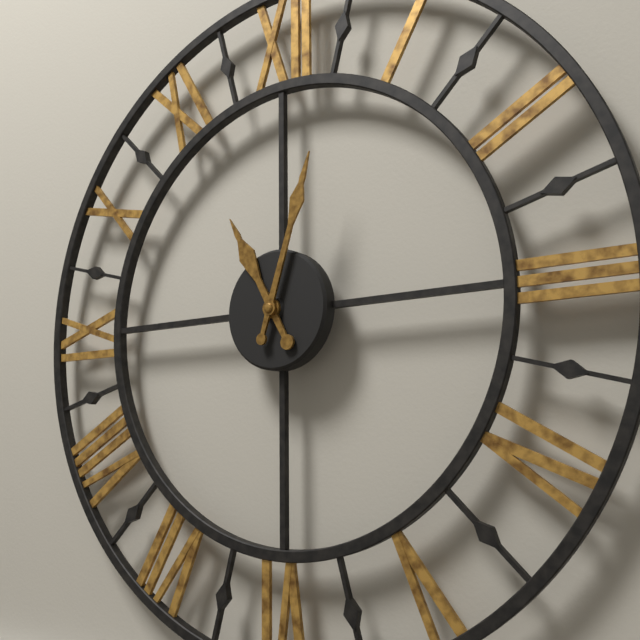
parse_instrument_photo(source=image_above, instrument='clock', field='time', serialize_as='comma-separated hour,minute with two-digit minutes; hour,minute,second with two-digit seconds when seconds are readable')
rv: 11,03
